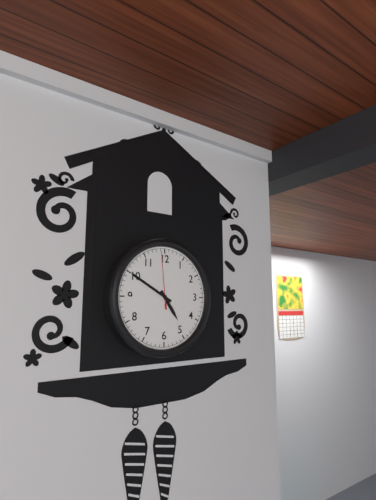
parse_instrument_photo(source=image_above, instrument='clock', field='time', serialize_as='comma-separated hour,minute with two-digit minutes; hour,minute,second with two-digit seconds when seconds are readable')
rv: 4,50,59
